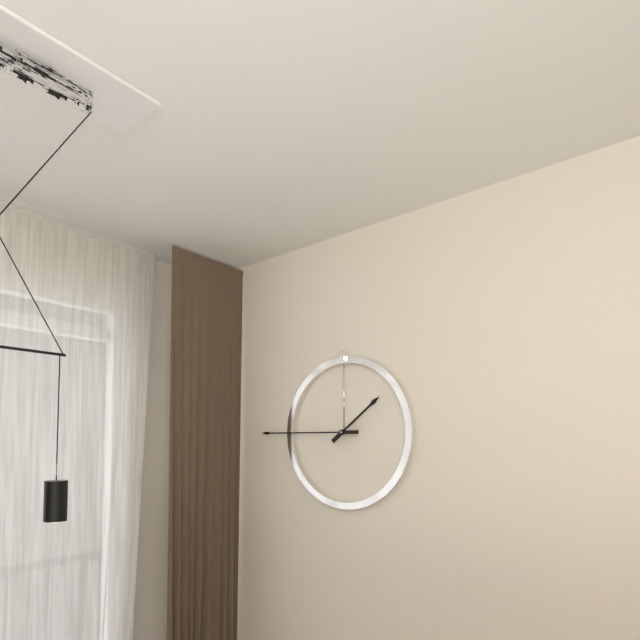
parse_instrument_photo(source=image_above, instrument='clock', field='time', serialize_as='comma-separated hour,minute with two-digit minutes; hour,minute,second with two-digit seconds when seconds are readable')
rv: 1,45
